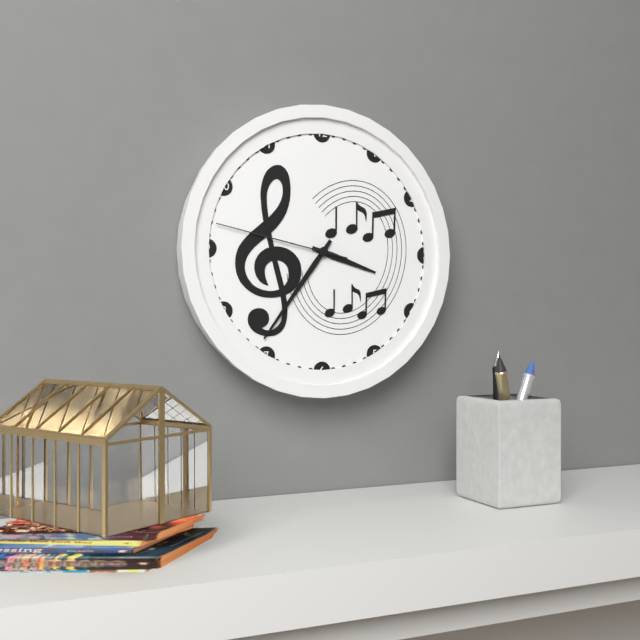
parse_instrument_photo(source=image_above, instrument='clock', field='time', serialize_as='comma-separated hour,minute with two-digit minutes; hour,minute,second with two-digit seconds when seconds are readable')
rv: 3,36,47
